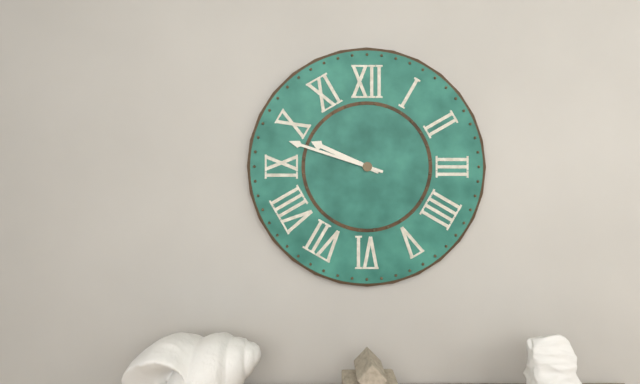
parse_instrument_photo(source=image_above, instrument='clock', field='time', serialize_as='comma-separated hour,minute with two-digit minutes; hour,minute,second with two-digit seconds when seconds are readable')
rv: 9,48
